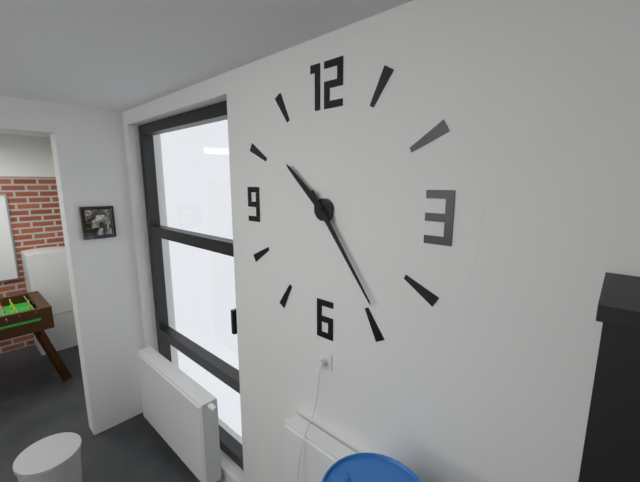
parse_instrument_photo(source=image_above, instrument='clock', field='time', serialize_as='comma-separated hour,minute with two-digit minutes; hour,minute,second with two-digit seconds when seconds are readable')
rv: 10,24
